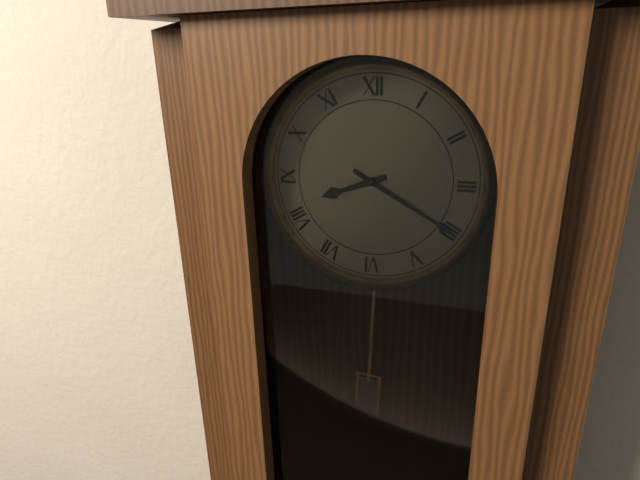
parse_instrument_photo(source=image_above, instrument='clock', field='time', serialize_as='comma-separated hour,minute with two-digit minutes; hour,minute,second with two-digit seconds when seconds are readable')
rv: 8,20
